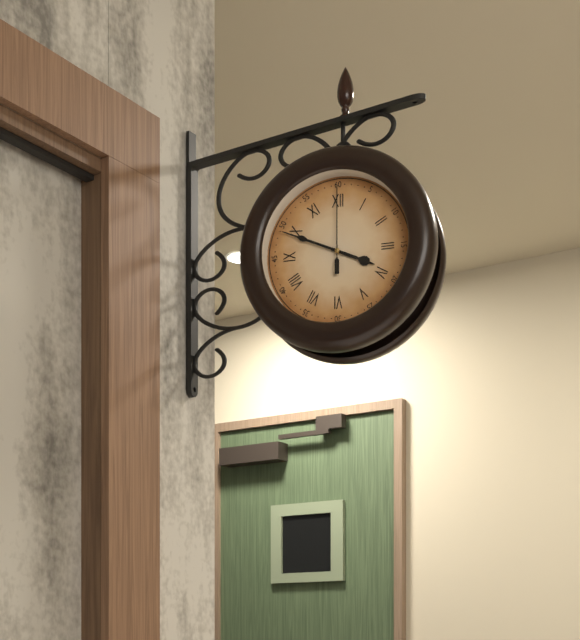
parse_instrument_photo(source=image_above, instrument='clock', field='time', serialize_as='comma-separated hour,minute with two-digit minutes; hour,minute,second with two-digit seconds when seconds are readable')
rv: 3,49,00
